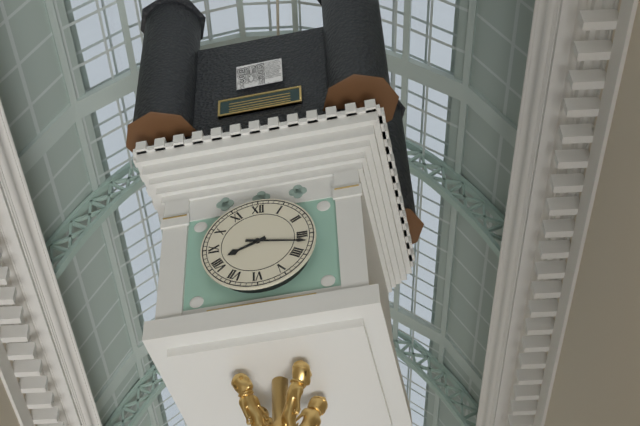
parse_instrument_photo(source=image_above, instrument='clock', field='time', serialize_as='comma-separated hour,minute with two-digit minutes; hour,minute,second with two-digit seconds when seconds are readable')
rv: 8,17
